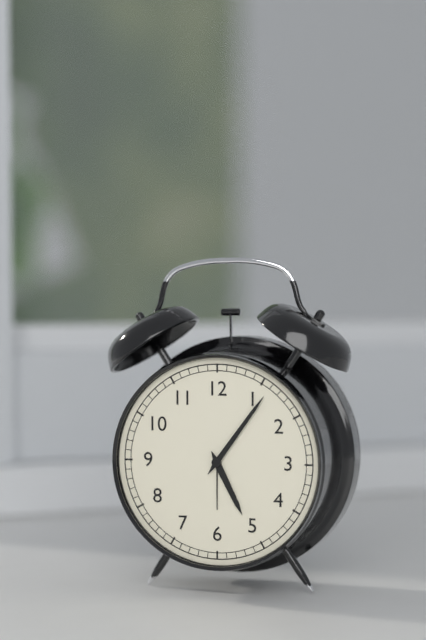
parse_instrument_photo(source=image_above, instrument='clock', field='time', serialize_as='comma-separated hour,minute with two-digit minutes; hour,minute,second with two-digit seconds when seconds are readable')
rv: 5,06
